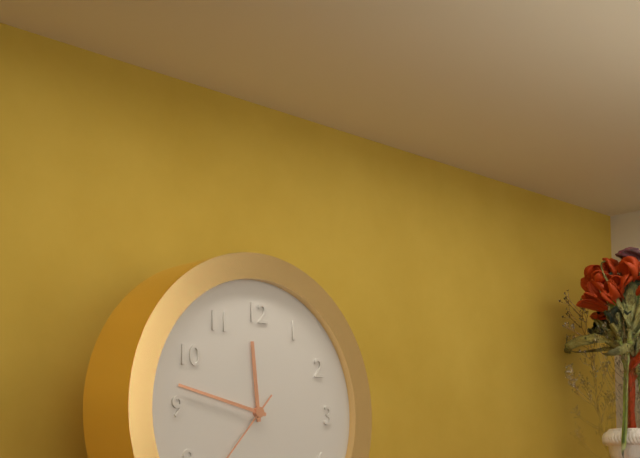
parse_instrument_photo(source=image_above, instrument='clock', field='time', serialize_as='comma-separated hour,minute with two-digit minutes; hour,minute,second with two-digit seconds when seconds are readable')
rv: 11,47
